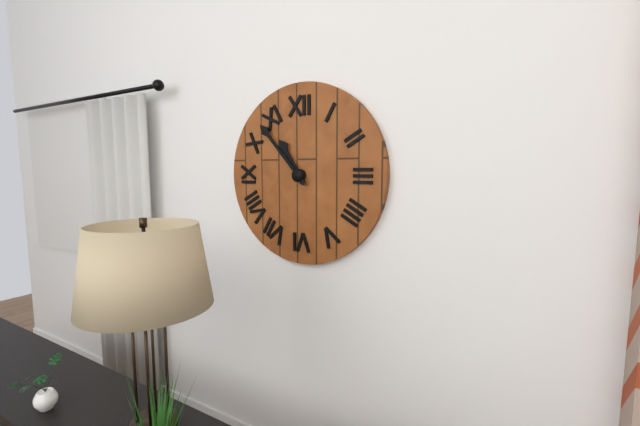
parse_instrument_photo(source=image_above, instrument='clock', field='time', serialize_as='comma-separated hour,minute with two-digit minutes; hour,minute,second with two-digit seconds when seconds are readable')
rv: 10,53
